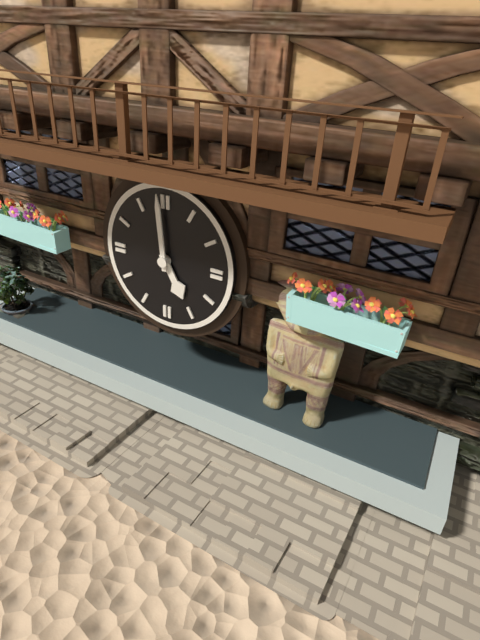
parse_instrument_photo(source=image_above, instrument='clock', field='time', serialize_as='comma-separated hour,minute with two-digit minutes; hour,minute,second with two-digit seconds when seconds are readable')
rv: 4,59
